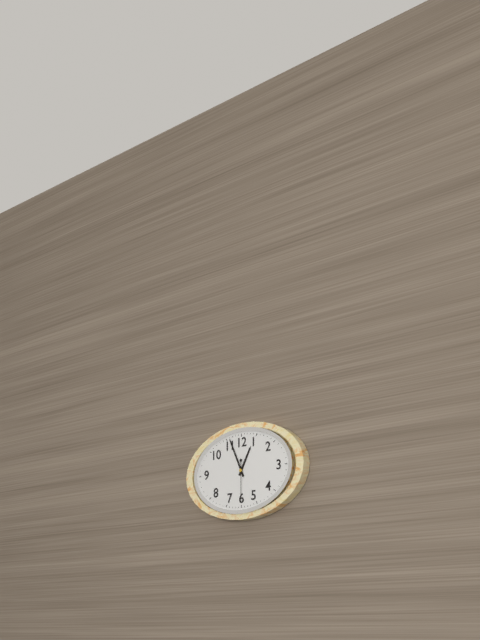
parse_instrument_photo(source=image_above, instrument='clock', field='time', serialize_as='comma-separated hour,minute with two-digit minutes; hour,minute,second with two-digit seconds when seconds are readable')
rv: 12,56
